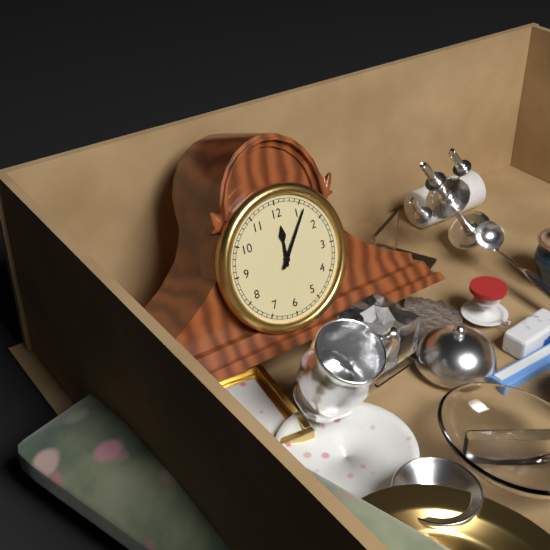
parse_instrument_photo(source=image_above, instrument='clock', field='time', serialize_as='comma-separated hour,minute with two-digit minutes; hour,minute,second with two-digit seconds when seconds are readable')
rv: 12,06
